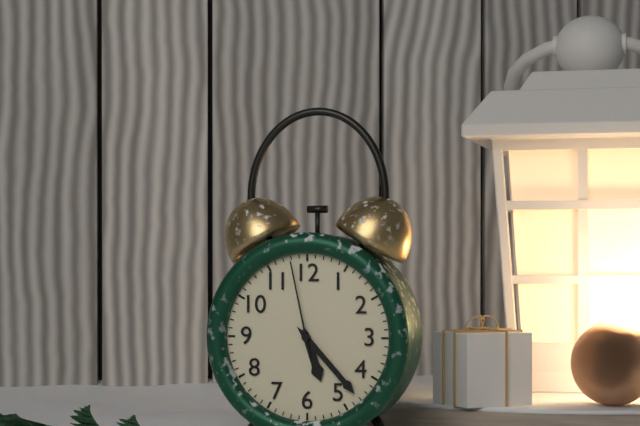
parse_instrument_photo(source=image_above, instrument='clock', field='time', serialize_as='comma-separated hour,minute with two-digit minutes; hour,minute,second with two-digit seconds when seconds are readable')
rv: 5,23,58
